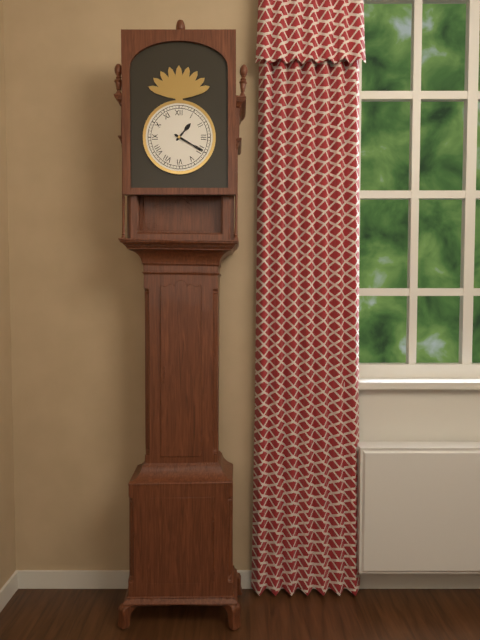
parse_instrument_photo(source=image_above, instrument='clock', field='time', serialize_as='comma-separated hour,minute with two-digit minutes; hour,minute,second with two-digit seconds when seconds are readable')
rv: 1,20
